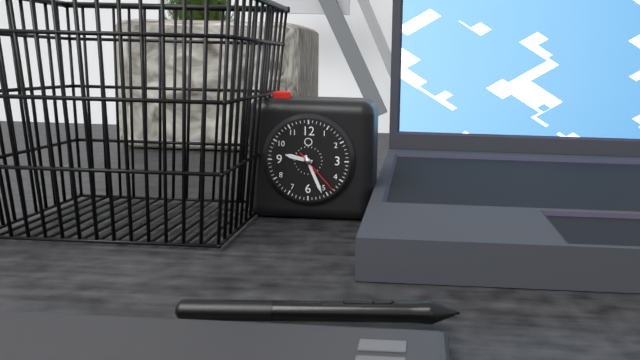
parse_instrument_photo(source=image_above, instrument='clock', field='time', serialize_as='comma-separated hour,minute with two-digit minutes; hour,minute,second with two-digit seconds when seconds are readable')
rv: 9,26
